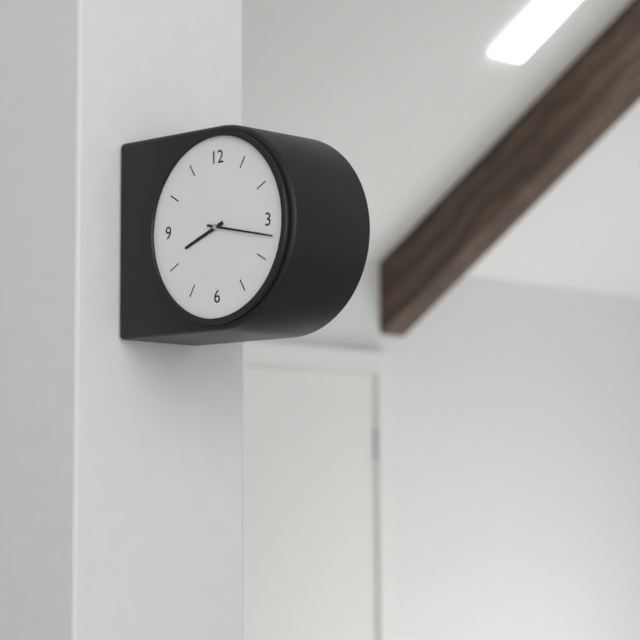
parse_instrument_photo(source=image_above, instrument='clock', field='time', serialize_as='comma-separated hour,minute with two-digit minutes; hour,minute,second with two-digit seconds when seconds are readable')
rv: 8,17
